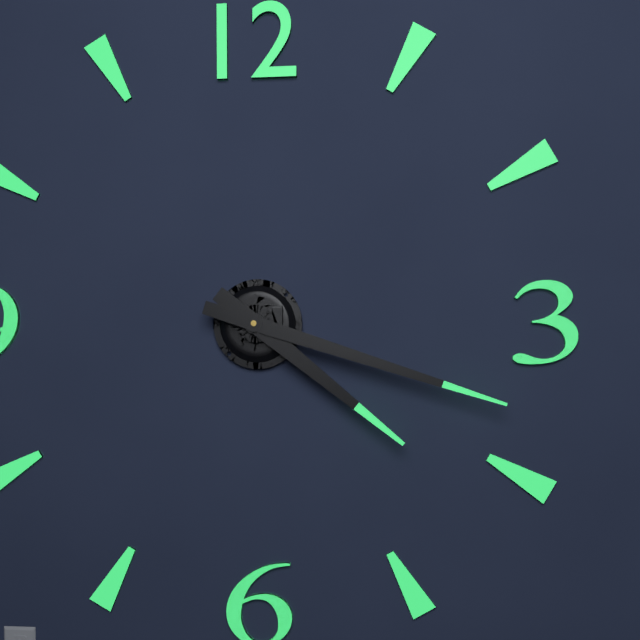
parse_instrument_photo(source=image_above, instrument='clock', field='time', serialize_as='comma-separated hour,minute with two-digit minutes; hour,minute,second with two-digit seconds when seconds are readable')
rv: 4,18
